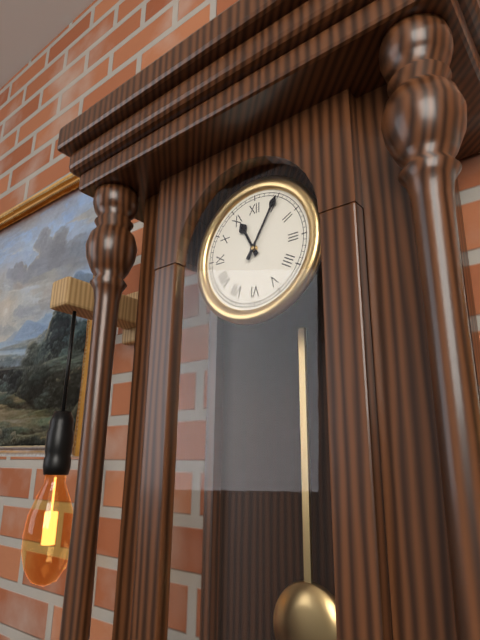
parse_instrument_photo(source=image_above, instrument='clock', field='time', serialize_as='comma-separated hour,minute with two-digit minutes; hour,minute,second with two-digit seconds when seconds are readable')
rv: 11,05
